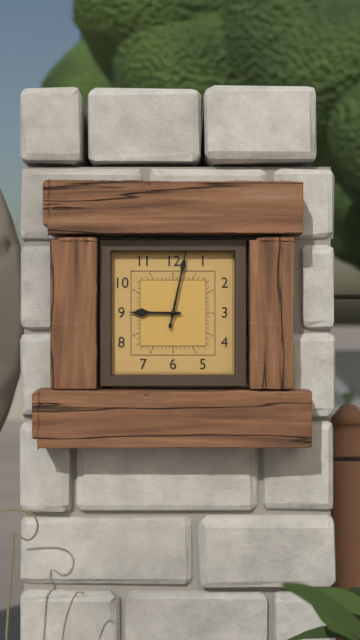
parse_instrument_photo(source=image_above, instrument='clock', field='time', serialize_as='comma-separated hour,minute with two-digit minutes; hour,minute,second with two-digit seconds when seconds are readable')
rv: 9,02
